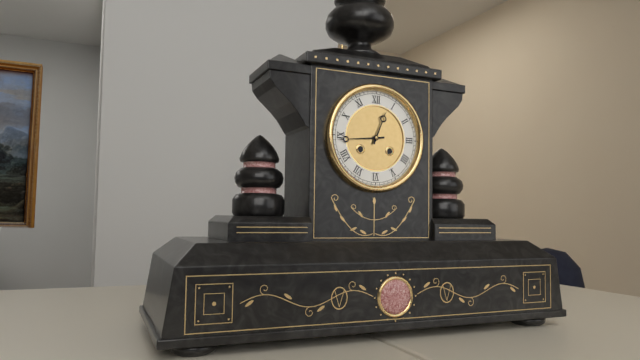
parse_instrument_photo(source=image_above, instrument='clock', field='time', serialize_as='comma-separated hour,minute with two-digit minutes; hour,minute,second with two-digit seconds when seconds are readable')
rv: 12,44
